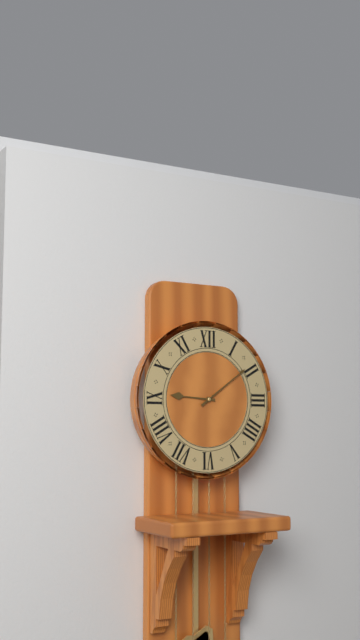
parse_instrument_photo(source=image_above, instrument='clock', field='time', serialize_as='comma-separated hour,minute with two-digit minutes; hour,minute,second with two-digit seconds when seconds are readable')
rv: 9,09
